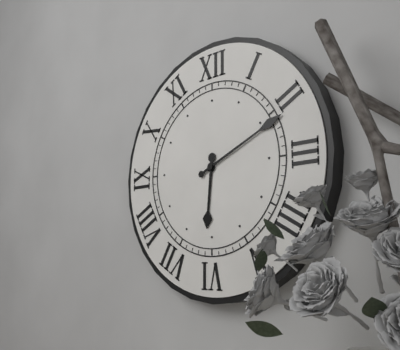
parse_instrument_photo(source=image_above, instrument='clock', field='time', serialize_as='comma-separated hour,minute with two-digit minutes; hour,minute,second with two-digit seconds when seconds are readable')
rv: 6,11
